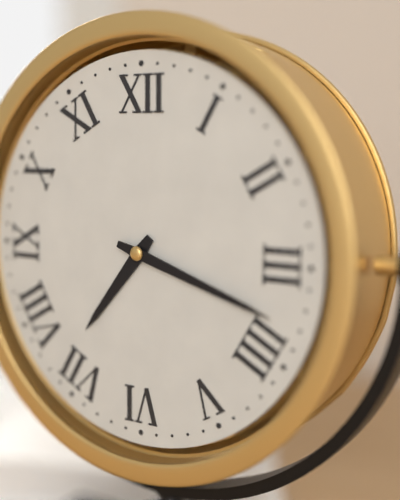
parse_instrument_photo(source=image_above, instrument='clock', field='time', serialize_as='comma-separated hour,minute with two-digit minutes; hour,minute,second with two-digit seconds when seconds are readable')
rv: 7,18
